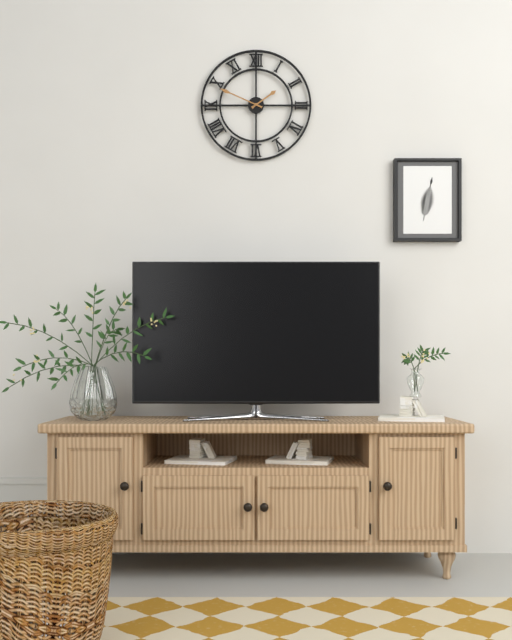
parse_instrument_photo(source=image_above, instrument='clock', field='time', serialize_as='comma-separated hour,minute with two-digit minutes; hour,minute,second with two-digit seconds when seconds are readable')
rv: 1,49
